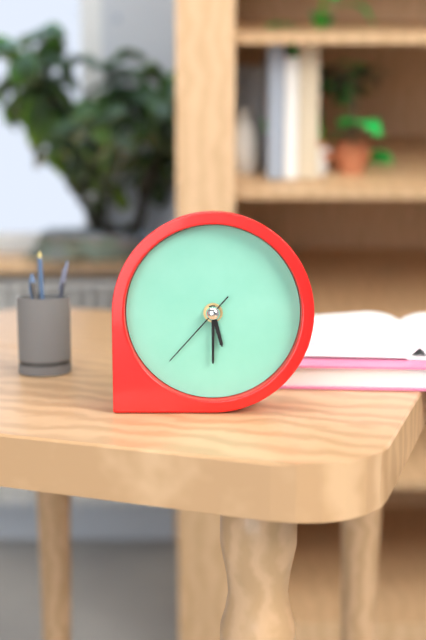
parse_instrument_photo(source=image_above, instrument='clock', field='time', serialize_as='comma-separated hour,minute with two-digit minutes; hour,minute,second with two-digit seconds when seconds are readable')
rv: 5,30,37
